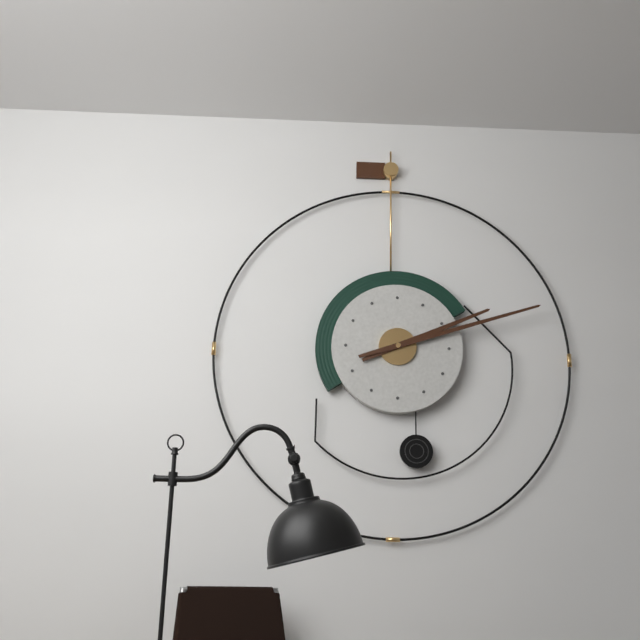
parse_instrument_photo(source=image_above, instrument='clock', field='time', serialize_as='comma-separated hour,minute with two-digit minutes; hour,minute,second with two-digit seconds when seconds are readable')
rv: 2,12
